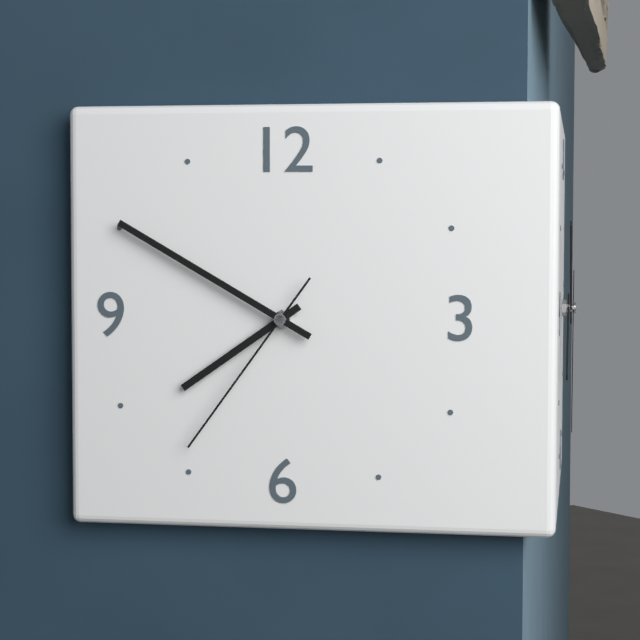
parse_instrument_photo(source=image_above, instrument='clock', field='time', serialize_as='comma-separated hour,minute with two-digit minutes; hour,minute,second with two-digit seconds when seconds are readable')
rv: 7,50,36
